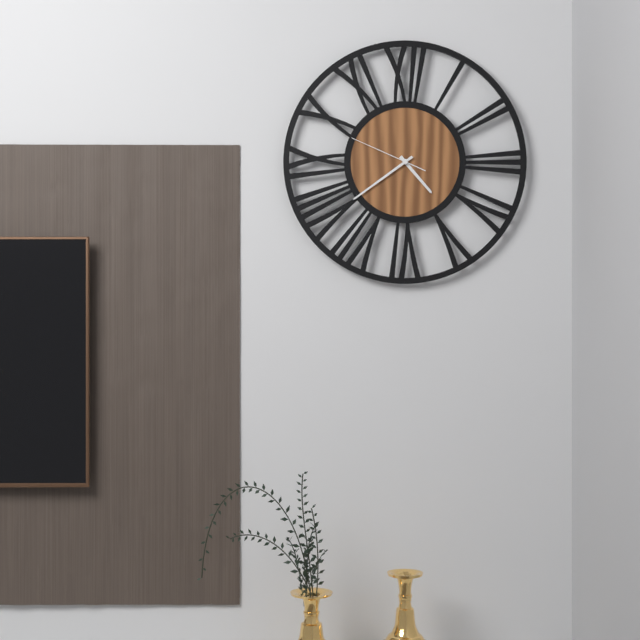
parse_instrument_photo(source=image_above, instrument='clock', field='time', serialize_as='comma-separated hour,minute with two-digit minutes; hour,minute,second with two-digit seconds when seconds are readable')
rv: 4,39,49
